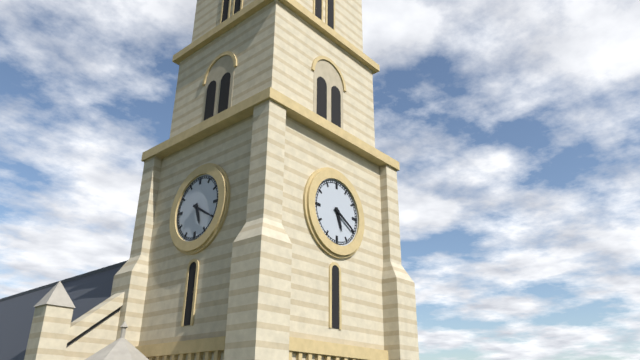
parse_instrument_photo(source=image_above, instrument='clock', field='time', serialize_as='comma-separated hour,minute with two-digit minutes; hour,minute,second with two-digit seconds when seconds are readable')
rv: 5,20
